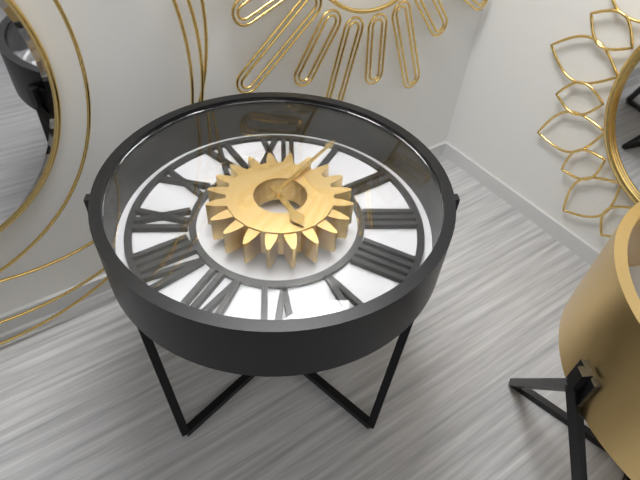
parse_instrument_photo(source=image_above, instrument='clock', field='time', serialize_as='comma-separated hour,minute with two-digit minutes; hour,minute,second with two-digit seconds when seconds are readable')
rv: 5,06
